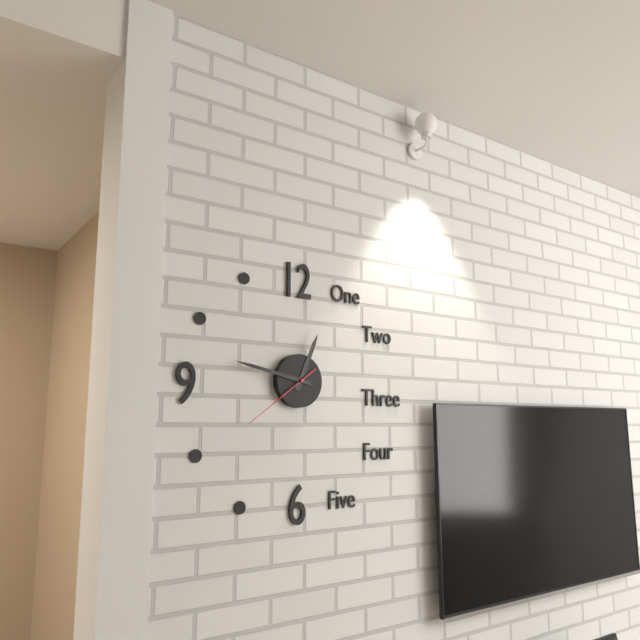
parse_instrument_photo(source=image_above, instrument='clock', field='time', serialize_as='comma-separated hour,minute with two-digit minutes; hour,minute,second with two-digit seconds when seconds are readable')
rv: 12,47,39
